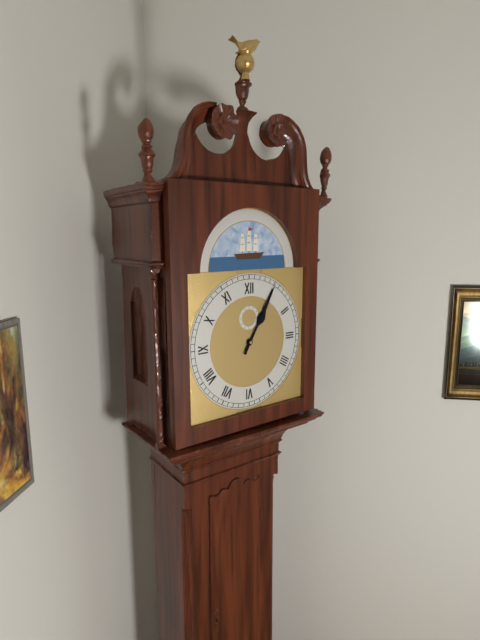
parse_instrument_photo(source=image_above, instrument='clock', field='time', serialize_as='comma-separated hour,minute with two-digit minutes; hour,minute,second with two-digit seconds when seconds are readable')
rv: 1,05
